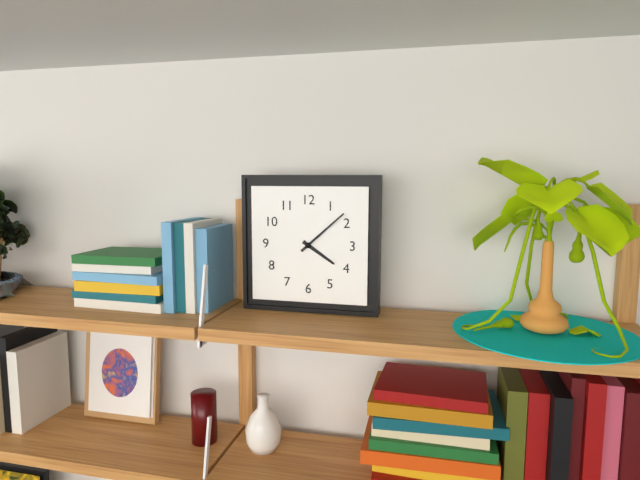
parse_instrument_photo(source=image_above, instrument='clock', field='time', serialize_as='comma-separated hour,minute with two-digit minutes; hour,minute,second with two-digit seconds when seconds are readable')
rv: 4,08
